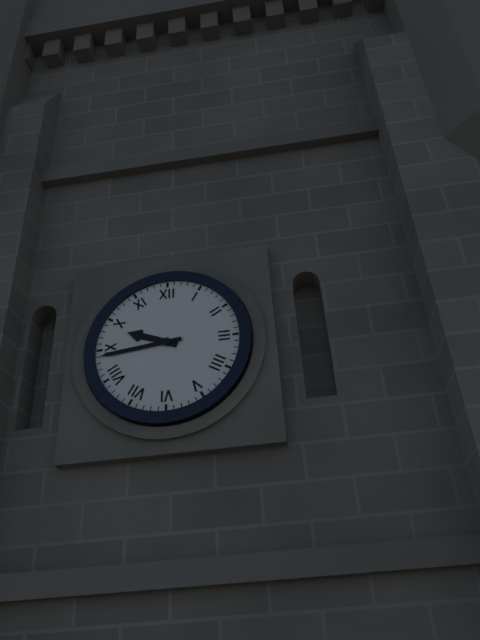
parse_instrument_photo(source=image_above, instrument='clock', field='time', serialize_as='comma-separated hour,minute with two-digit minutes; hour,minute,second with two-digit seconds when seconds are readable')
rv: 9,44
